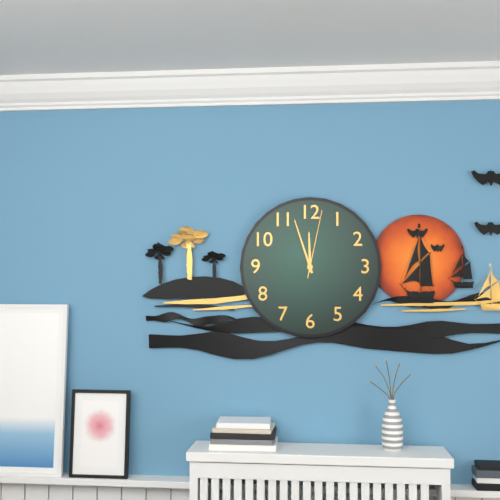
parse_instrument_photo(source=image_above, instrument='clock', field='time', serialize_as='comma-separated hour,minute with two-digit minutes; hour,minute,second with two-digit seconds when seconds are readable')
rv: 11,57,02
